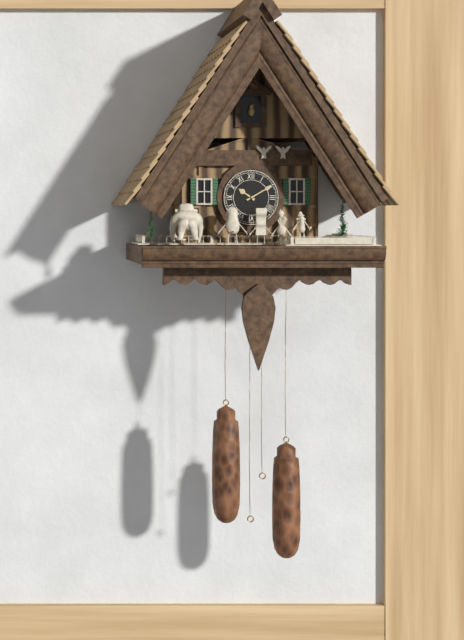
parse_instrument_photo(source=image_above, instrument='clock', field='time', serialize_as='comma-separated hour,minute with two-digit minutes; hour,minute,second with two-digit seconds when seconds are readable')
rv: 10,10
